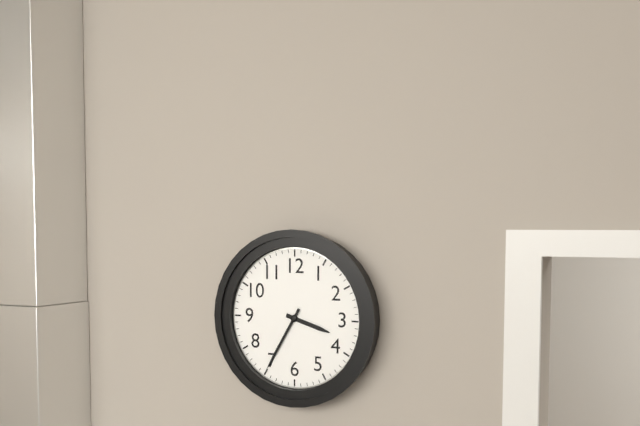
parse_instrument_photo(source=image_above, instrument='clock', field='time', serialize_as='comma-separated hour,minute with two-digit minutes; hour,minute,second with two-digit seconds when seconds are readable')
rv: 3,35
